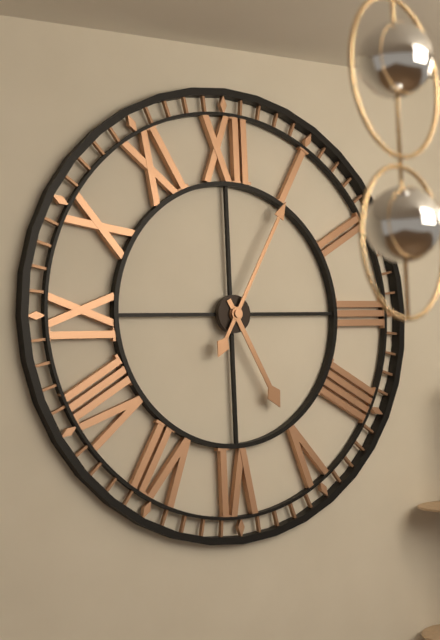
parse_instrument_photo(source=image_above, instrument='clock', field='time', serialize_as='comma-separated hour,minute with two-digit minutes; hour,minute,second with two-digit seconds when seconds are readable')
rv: 5,05
